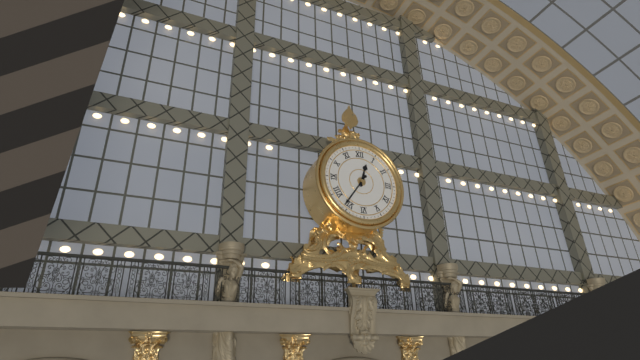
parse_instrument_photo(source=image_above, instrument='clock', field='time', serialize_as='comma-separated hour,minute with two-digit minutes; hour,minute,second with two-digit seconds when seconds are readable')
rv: 12,36
